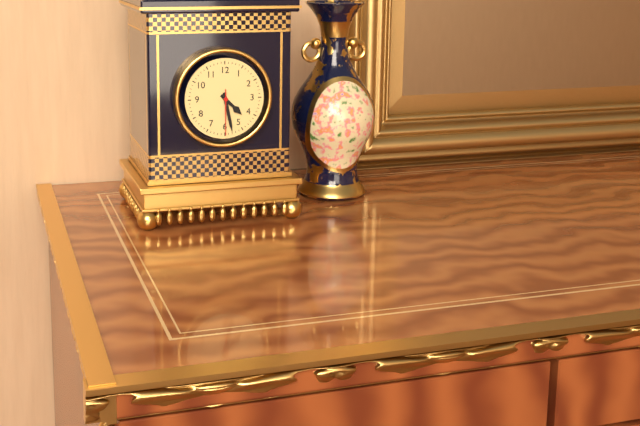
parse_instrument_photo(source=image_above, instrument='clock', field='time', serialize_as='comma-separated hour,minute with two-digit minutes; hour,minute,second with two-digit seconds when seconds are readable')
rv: 4,28
